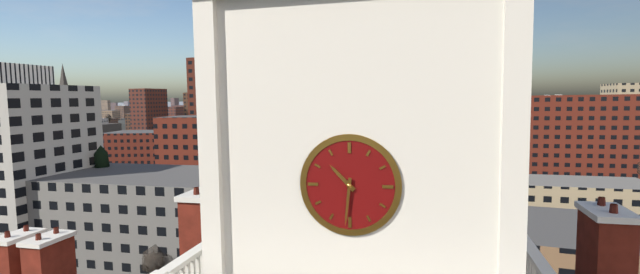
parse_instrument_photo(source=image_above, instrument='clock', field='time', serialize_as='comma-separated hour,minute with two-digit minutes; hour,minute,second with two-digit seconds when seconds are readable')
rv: 10,31
